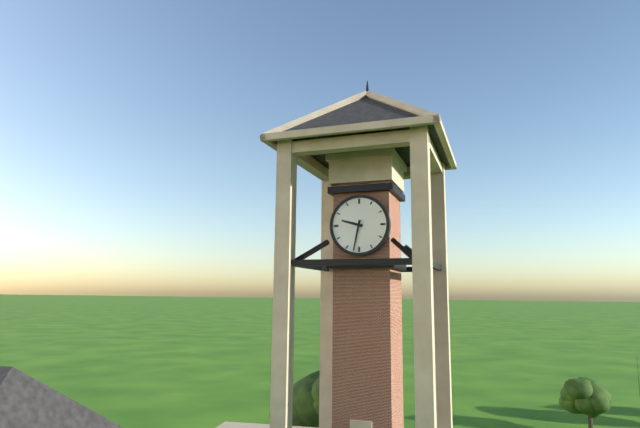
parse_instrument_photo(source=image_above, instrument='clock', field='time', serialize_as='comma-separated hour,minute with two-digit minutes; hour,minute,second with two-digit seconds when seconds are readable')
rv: 9,32
